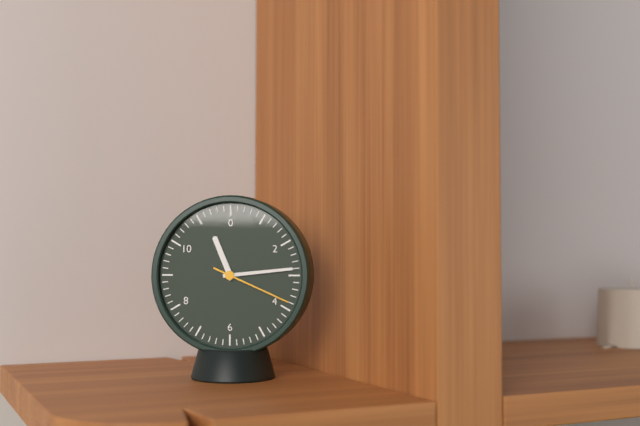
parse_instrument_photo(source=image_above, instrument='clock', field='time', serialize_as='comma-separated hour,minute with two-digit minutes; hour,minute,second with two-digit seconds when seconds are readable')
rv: 11,14,19
